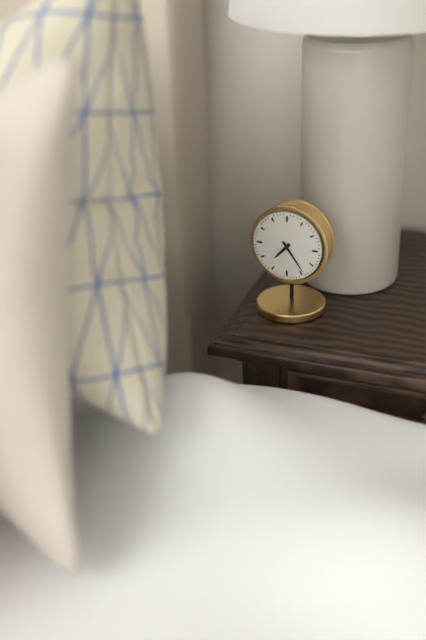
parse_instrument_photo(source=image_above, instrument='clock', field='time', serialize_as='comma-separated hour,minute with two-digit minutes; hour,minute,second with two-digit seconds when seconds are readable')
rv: 7,24
